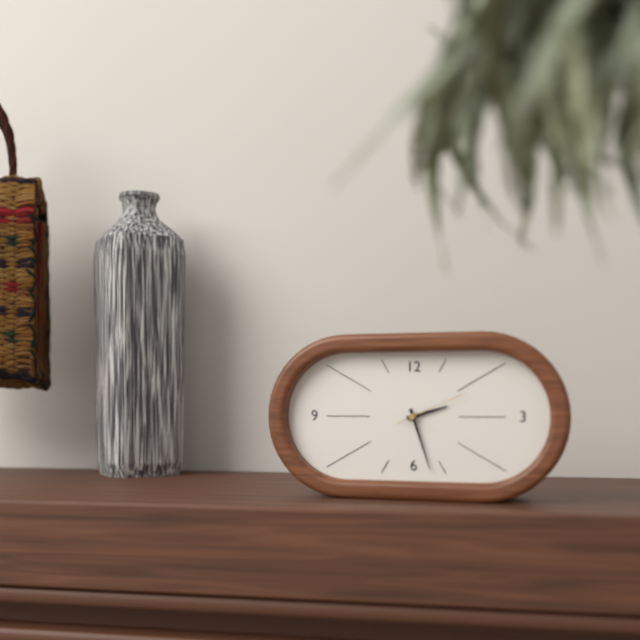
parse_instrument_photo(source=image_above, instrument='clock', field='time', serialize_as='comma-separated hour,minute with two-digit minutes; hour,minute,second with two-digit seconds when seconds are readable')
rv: 2,27,11
